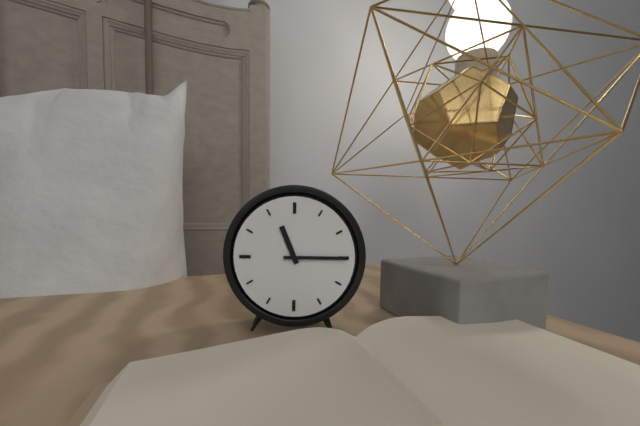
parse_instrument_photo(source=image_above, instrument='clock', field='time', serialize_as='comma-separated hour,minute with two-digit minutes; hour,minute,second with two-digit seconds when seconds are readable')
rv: 11,15
